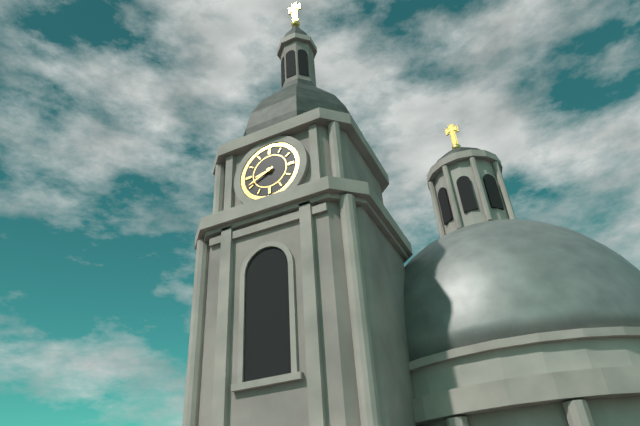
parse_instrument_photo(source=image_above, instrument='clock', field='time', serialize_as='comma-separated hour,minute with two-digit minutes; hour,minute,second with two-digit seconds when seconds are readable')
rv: 8,41
